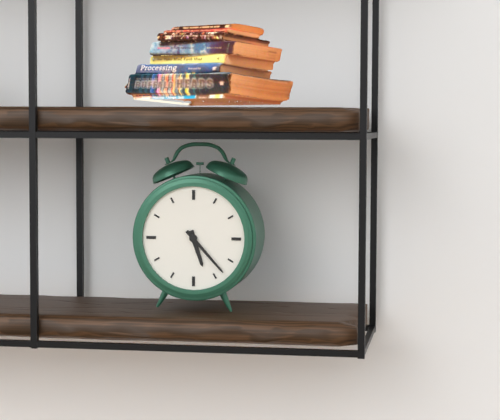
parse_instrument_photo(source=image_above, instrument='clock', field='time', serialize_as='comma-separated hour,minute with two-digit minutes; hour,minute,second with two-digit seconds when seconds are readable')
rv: 5,23
